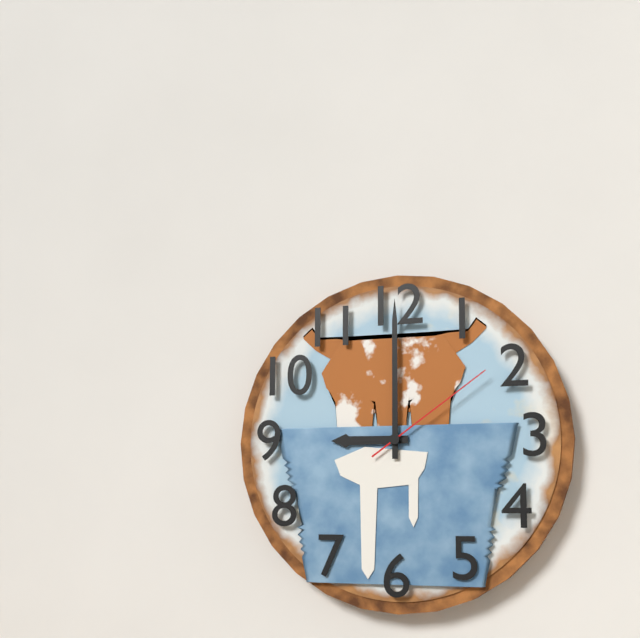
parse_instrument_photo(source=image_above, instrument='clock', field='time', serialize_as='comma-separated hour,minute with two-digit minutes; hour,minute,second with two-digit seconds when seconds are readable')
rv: 9,00,09
